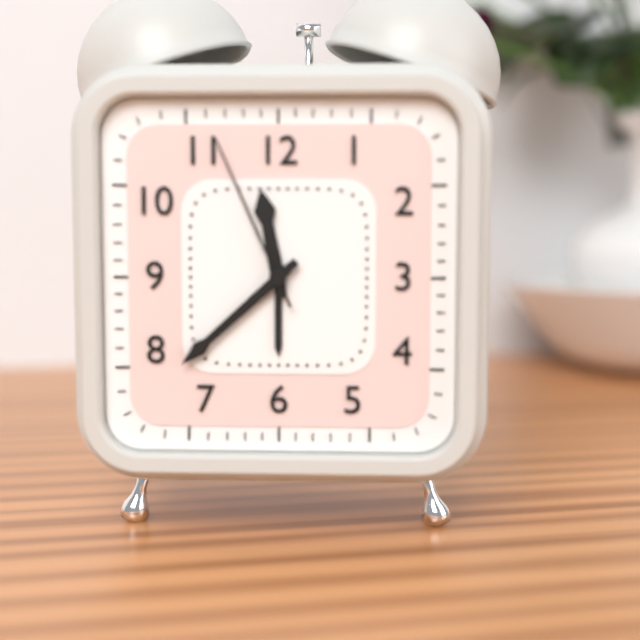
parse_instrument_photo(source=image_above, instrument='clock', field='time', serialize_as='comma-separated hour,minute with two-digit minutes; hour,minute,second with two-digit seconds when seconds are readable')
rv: 11,38,56
